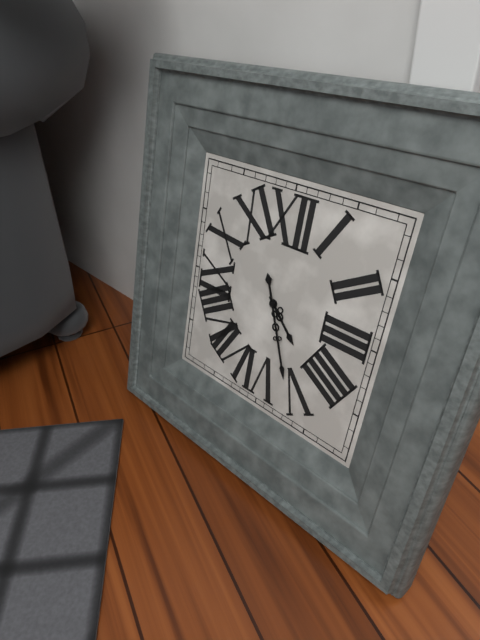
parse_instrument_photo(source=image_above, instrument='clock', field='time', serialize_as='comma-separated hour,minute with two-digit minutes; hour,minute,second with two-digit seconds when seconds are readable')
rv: 4,26
